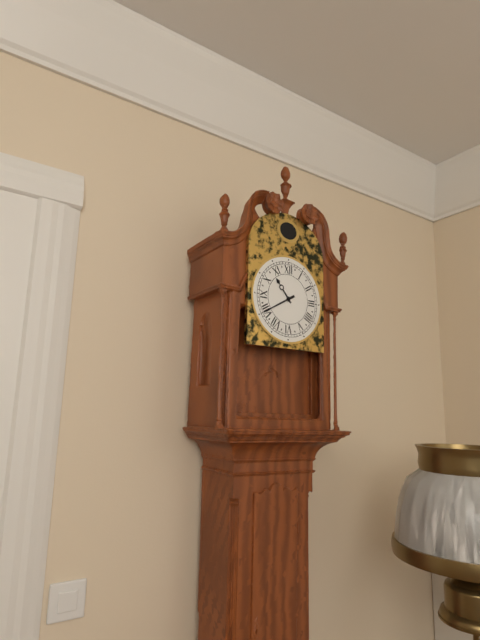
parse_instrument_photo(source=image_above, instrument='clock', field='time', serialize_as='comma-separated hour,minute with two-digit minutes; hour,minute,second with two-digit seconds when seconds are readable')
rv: 10,40
